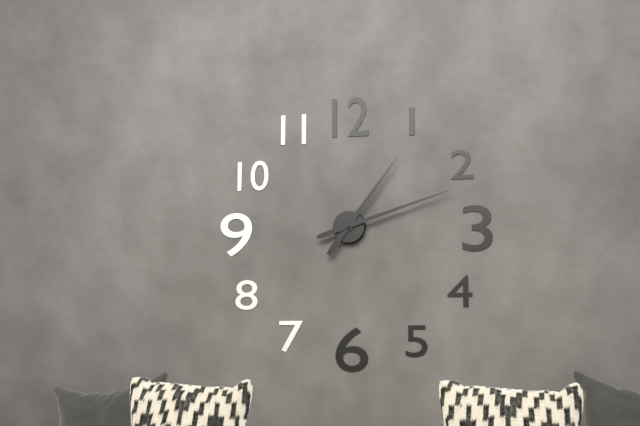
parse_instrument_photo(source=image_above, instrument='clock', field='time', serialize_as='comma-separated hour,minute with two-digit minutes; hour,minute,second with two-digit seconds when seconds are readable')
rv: 1,12
